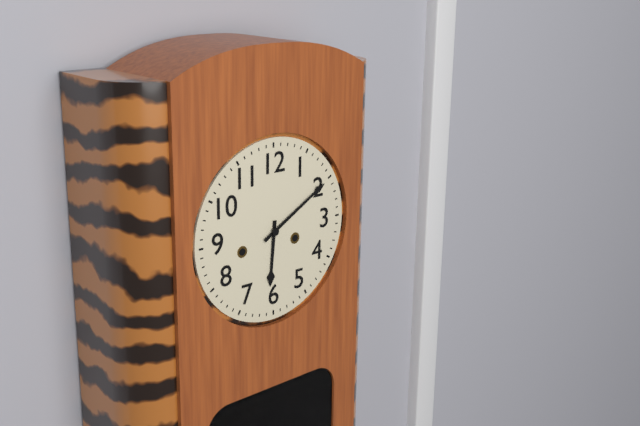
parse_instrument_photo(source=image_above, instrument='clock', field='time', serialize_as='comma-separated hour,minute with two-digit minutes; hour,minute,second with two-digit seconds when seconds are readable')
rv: 6,10
